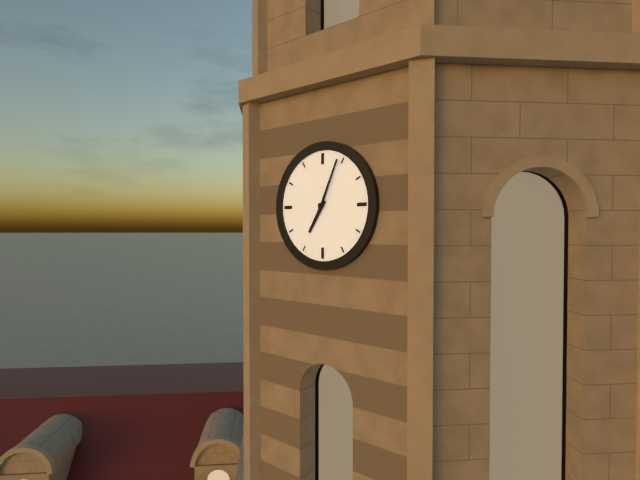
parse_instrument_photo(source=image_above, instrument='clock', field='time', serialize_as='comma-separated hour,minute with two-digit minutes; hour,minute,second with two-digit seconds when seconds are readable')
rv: 7,04
